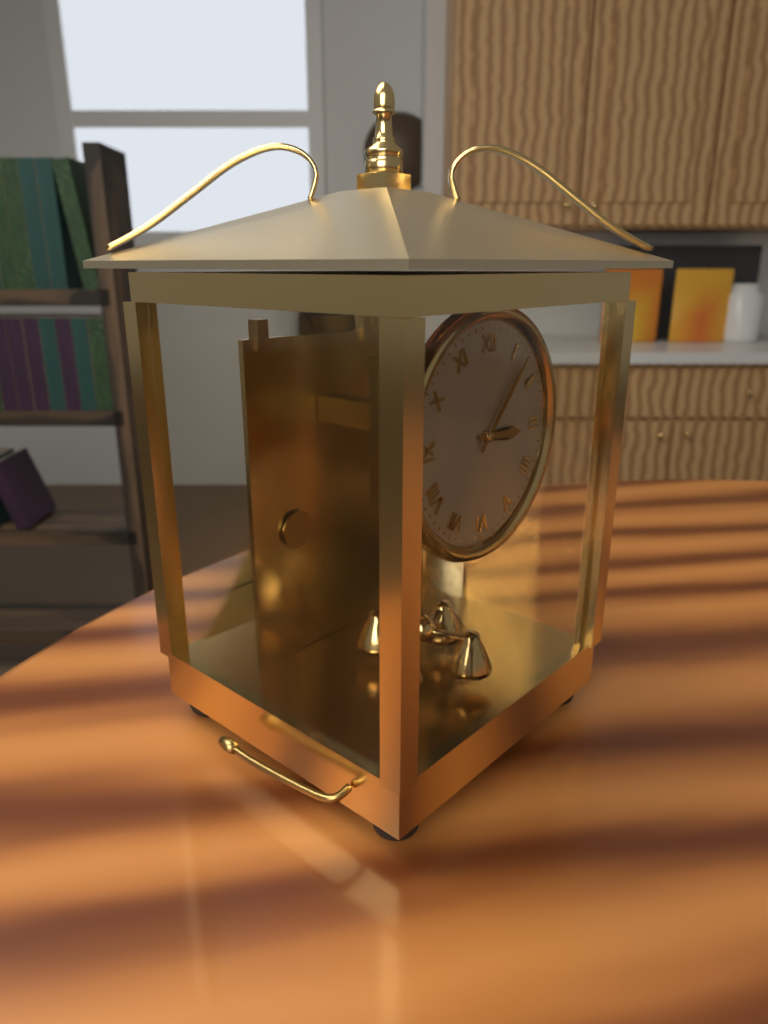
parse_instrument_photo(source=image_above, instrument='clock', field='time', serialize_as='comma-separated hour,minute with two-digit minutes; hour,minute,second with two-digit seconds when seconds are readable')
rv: 3,07
